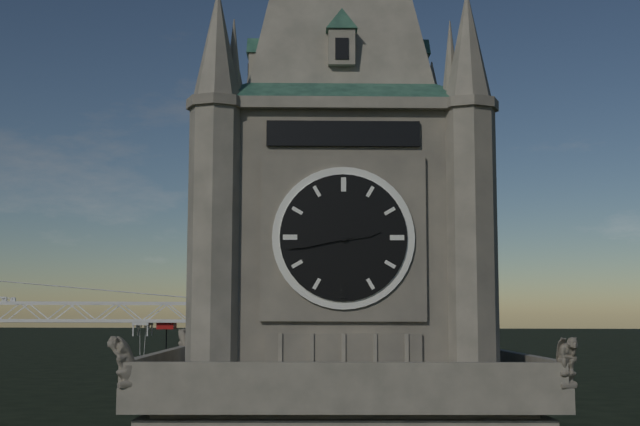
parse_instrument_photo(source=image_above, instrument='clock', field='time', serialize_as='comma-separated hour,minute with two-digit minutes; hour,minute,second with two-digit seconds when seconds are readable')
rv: 2,43
